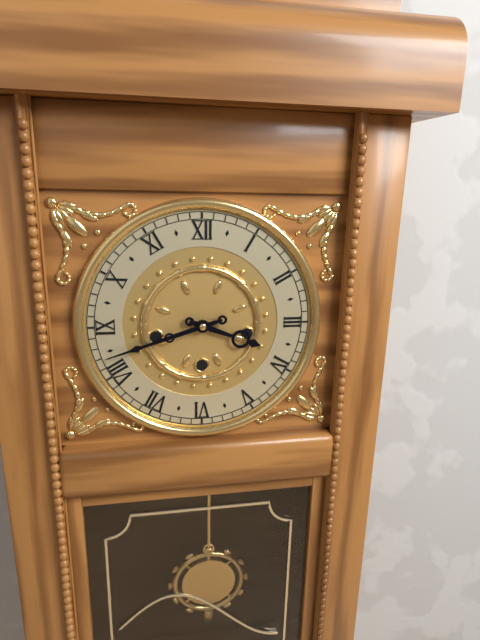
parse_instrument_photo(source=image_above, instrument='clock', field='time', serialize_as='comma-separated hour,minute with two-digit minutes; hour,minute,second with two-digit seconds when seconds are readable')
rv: 3,42
